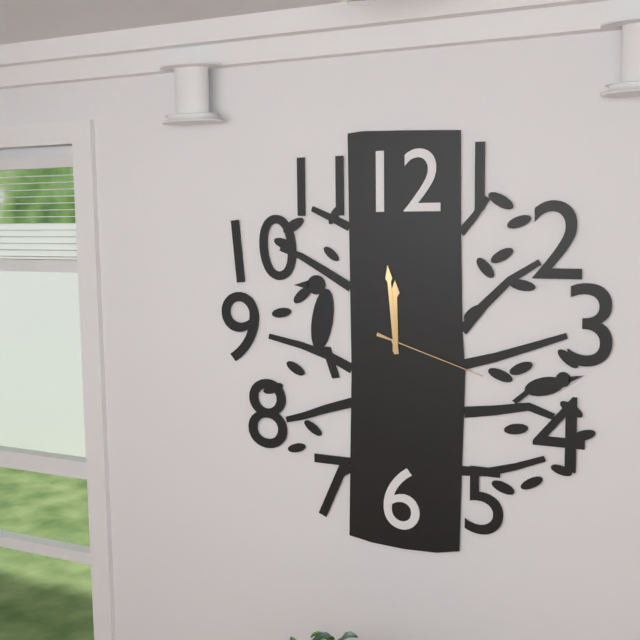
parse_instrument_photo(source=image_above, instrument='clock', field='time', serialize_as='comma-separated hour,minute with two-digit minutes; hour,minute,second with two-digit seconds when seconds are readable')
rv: 11,59,18
